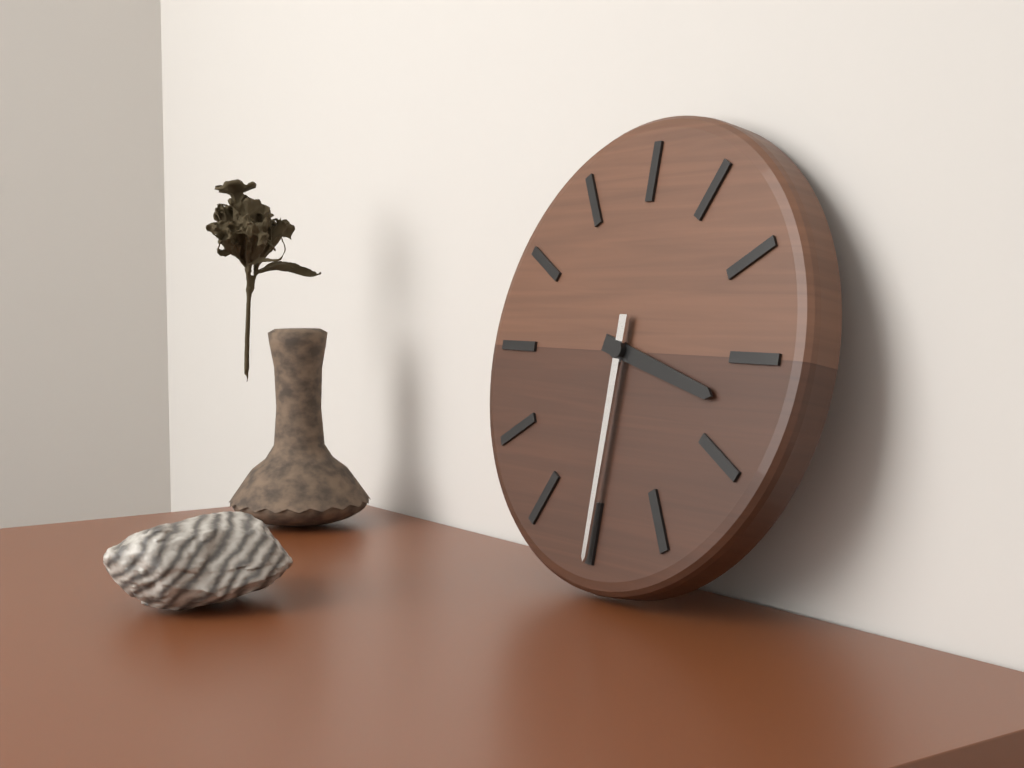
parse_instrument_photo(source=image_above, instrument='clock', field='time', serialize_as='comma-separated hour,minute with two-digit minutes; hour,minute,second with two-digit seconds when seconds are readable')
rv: 3,30
